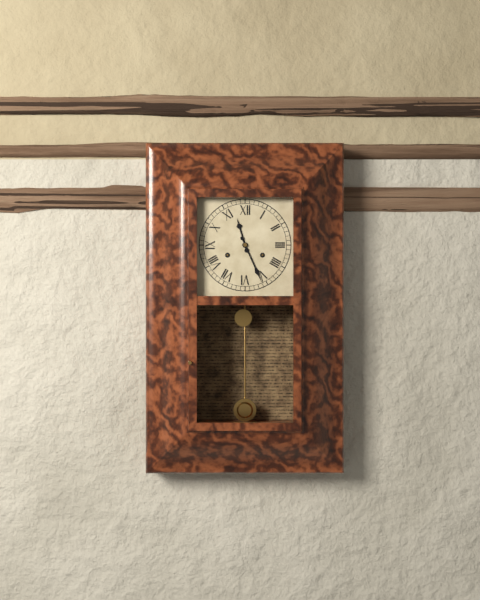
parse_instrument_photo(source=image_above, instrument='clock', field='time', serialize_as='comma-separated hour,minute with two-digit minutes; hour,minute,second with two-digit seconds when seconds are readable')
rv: 11,26
